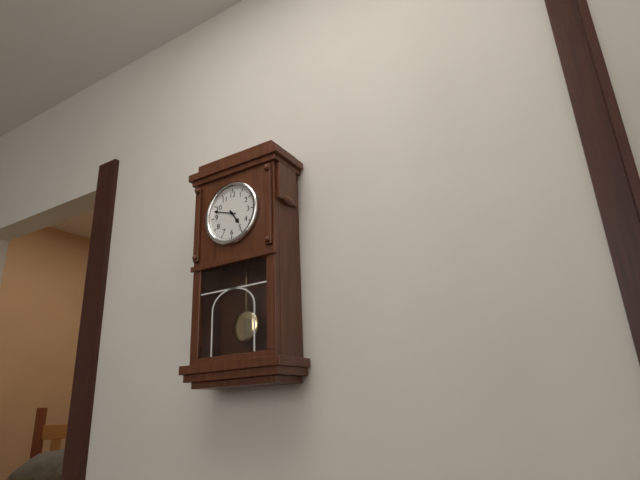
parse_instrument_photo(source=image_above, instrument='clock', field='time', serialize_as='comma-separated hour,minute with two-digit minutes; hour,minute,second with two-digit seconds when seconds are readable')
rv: 4,48
